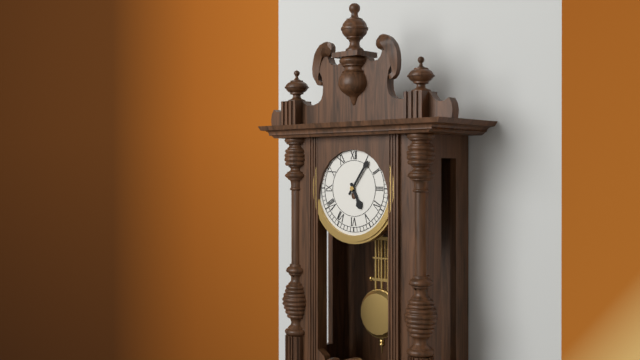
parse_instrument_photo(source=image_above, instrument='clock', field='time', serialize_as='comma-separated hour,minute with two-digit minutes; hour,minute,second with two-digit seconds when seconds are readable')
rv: 5,06
